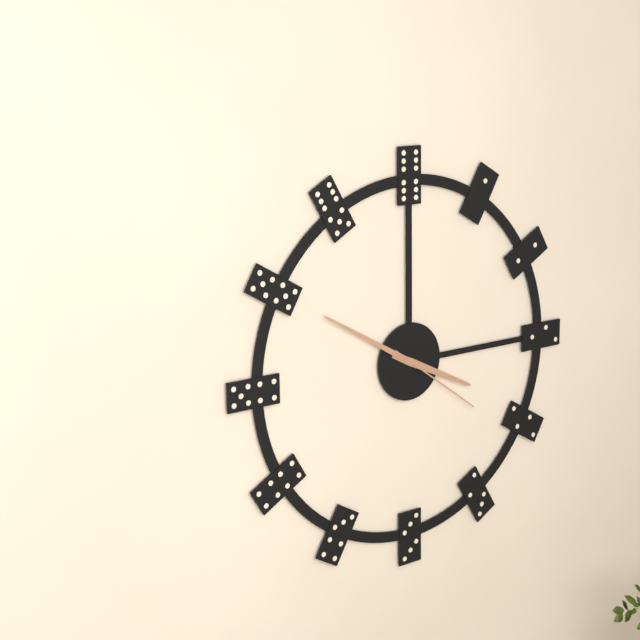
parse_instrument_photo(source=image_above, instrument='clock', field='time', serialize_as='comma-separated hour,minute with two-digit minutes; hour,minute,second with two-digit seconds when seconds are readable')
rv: 3,50,21
